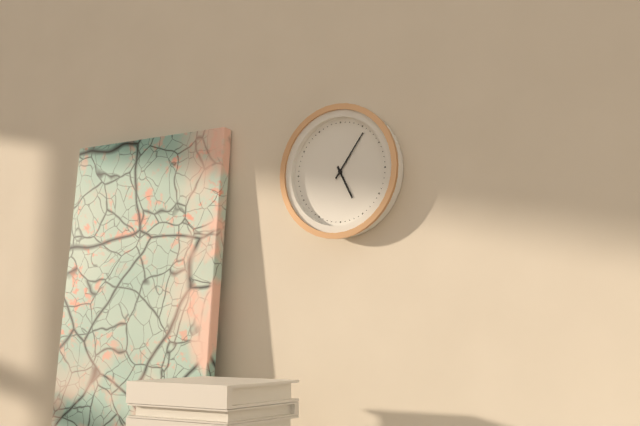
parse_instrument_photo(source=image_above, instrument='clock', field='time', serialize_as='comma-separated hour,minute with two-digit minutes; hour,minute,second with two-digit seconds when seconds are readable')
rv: 5,06
